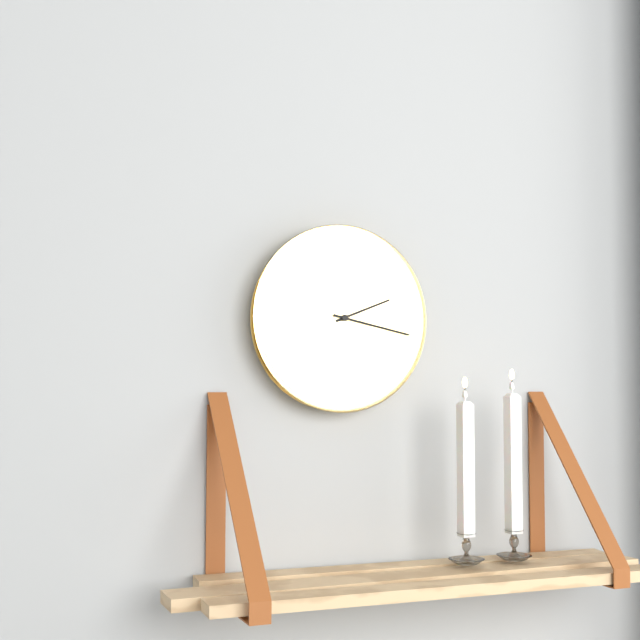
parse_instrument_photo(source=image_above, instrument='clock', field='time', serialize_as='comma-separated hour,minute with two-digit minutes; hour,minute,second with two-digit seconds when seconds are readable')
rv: 2,17
